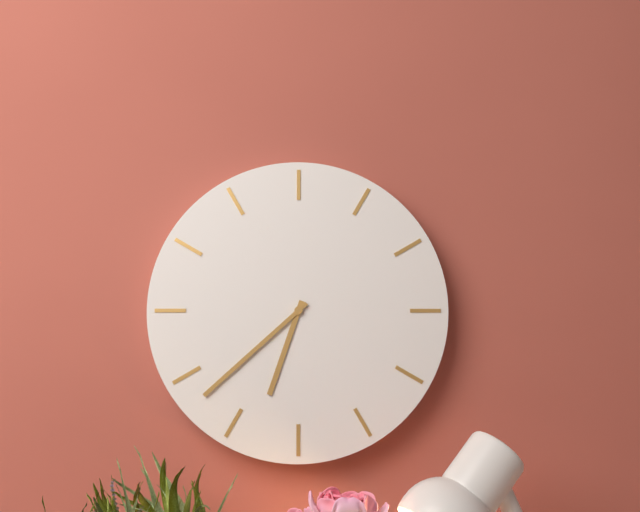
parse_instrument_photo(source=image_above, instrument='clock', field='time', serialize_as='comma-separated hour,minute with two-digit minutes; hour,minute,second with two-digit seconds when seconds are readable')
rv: 6,38
